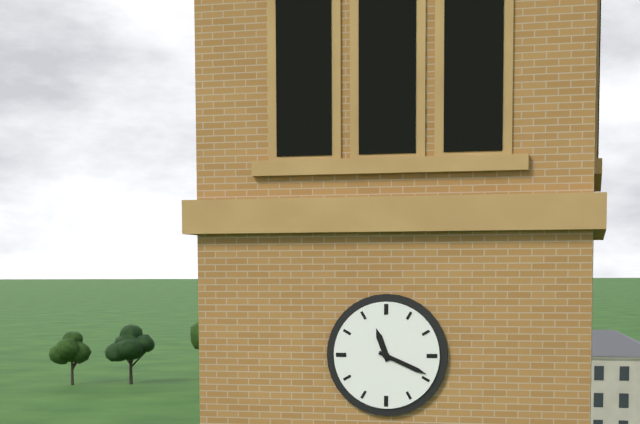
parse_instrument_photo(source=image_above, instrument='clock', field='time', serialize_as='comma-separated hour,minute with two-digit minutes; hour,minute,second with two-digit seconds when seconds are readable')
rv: 11,19
